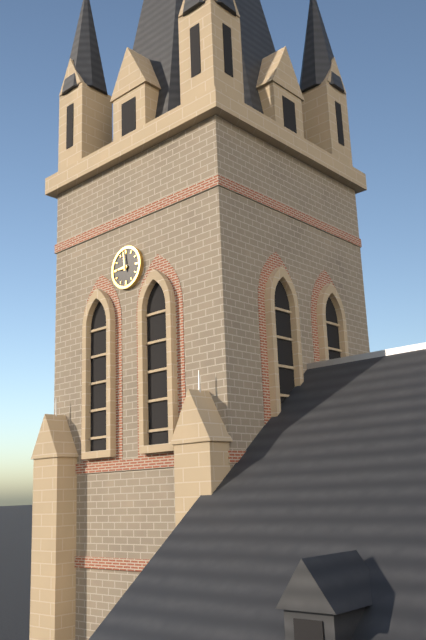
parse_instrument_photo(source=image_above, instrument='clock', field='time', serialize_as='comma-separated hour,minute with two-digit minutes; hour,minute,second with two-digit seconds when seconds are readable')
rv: 8,59
